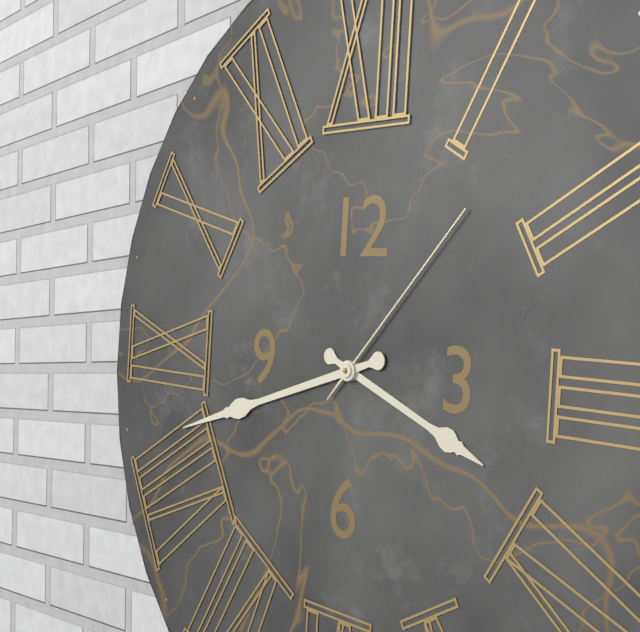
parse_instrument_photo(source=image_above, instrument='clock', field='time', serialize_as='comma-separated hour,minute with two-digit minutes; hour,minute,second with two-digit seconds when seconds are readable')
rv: 3,42,07
